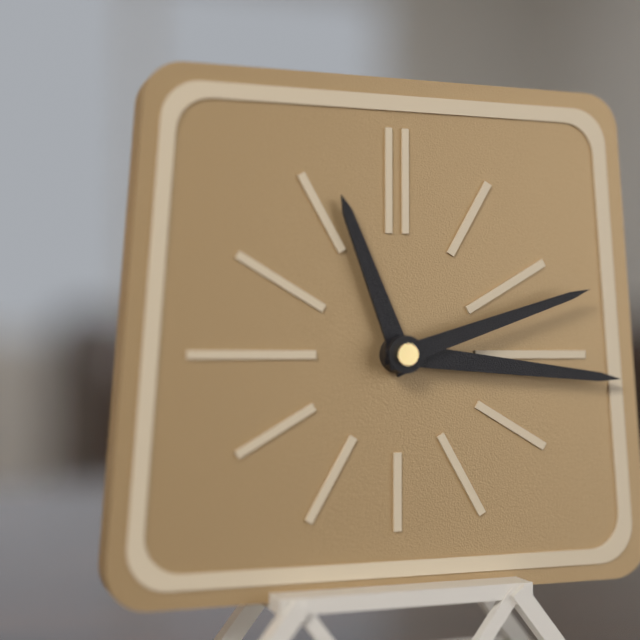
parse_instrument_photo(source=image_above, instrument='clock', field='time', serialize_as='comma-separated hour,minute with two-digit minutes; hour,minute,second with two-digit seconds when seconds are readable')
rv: 11,16,12
